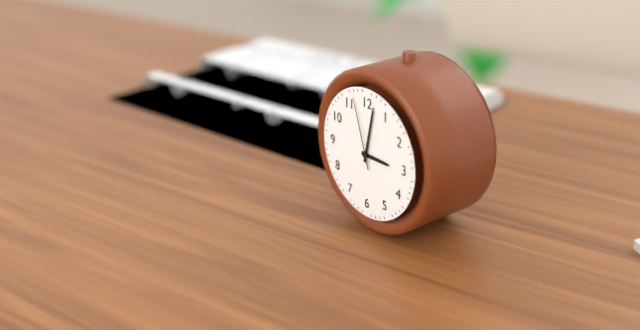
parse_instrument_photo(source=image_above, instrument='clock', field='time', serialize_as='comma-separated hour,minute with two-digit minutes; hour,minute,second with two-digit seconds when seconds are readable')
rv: 3,02,57
